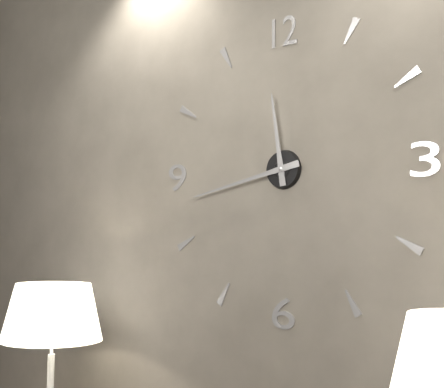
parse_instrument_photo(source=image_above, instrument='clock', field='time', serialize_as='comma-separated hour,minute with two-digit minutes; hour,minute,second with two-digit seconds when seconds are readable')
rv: 11,43
